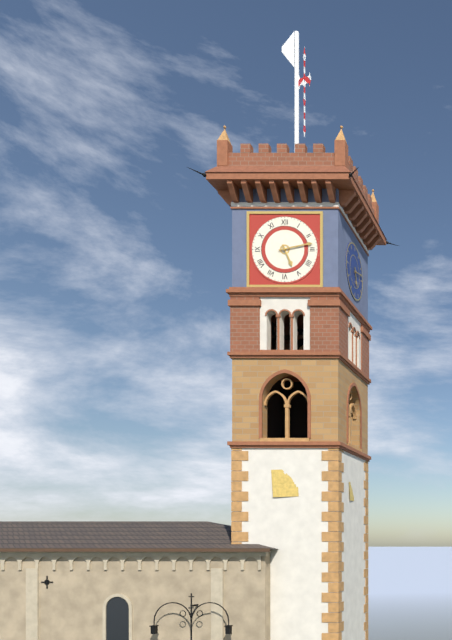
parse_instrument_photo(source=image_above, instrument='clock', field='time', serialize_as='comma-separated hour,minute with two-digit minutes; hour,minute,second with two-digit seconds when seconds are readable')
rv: 5,13
